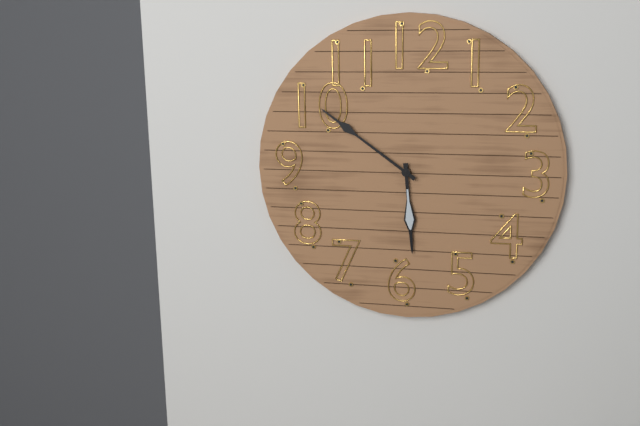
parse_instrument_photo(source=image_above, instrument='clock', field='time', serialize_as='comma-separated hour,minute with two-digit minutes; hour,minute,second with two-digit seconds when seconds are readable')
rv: 5,51
